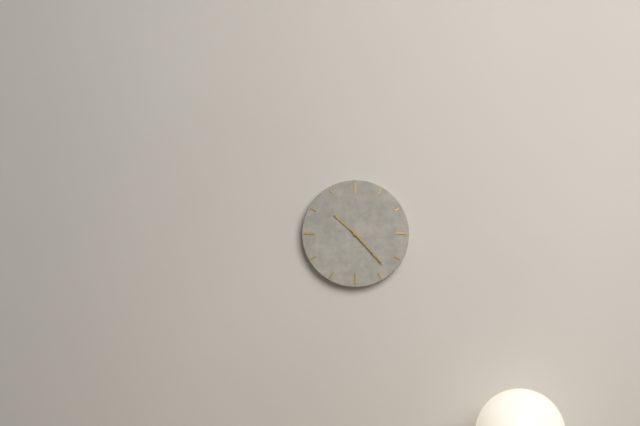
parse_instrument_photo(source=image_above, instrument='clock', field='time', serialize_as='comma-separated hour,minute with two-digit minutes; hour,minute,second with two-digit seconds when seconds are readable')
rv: 10,23
